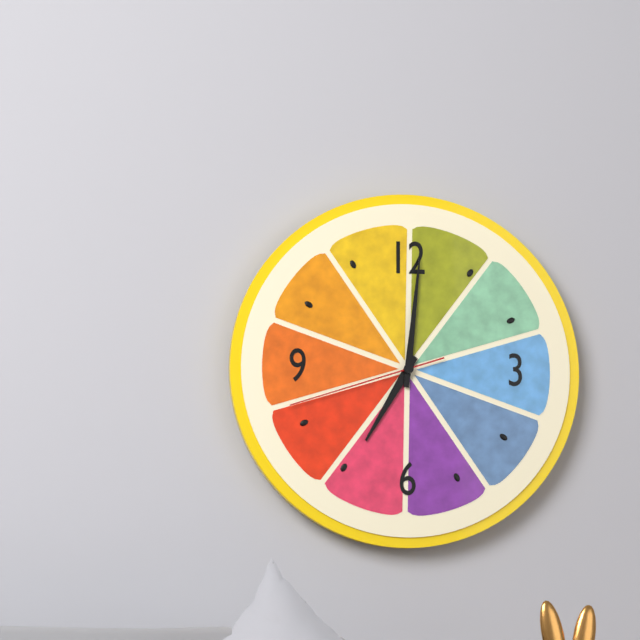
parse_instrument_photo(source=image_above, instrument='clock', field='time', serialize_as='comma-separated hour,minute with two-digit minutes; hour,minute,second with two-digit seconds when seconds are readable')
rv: 7,01,42
